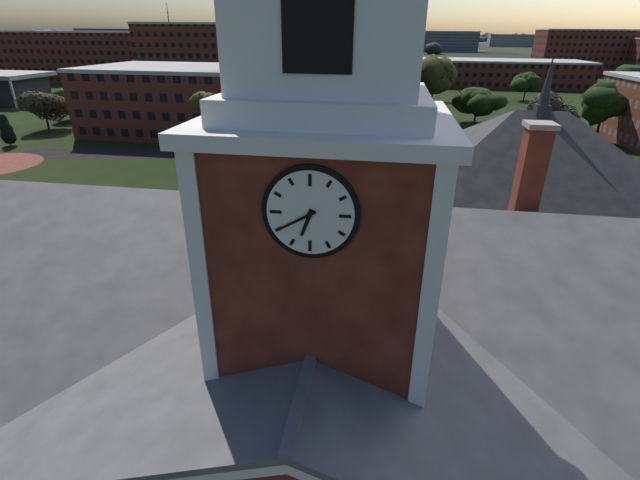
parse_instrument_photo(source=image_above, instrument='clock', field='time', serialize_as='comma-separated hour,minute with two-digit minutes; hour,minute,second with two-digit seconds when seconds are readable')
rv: 6,40
